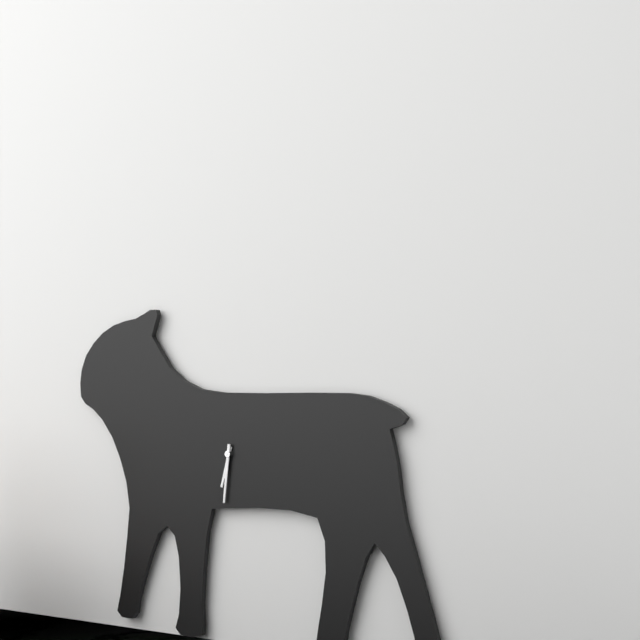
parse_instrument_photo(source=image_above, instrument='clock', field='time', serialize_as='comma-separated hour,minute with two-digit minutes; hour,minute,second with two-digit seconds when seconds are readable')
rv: 6,31
